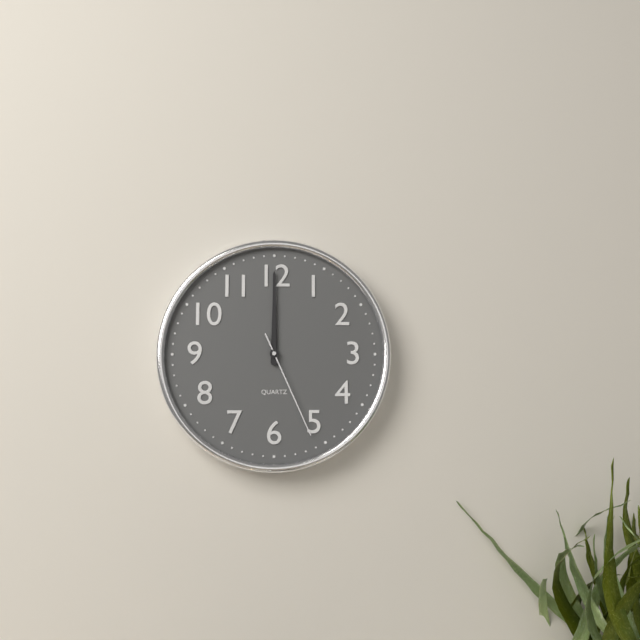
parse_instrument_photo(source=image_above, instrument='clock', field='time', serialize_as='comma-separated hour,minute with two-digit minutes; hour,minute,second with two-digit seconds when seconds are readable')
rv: 12,00,26
